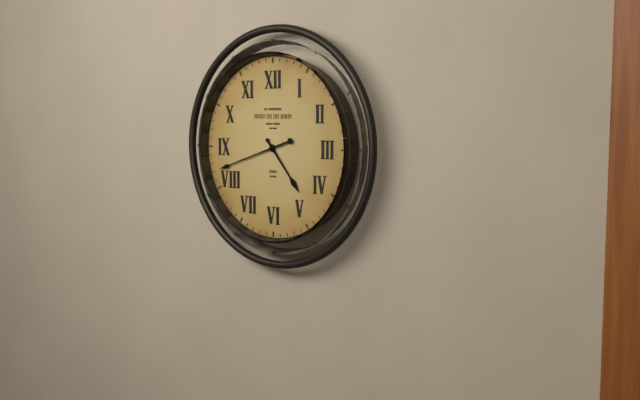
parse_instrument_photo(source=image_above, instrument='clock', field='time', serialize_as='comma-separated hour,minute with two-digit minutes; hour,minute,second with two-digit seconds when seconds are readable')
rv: 4,42
